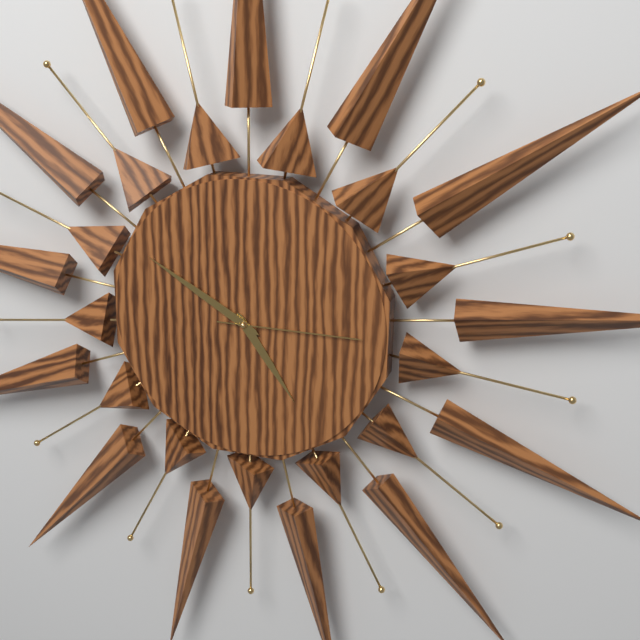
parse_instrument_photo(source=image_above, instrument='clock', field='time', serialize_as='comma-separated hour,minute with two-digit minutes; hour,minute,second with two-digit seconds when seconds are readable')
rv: 4,50,15
